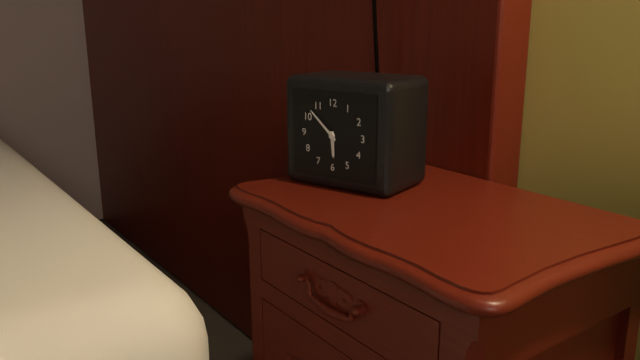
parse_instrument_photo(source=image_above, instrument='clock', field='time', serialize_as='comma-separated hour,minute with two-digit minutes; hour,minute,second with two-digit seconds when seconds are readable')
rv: 5,52
